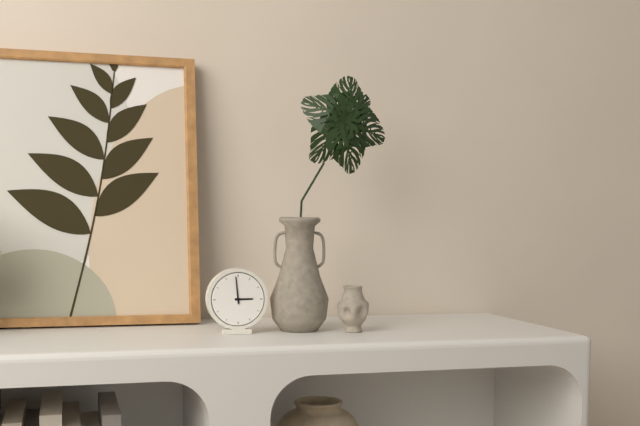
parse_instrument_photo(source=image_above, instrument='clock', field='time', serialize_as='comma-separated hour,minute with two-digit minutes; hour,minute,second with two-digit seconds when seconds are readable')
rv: 2,59
